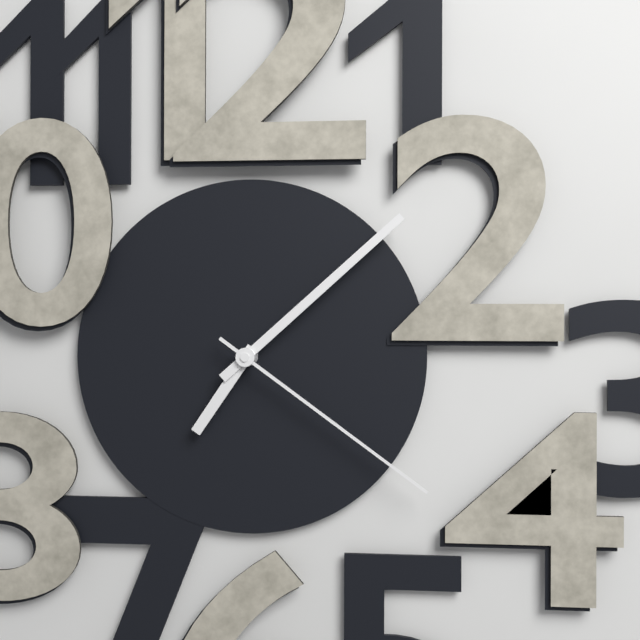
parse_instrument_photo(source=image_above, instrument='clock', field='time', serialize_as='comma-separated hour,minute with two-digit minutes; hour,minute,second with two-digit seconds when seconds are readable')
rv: 7,08,21
